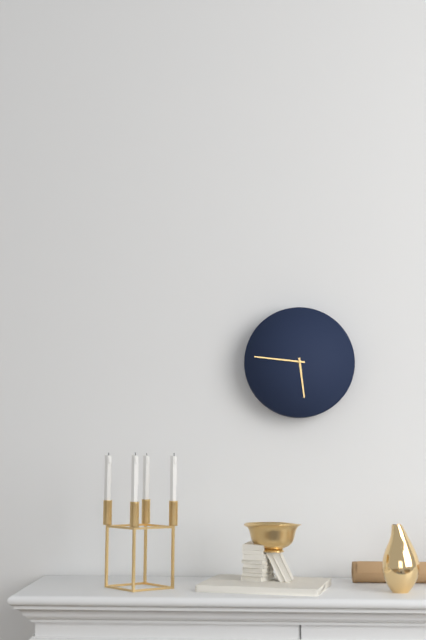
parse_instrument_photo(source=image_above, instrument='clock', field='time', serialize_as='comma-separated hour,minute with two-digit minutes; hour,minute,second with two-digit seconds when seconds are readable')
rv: 5,46
